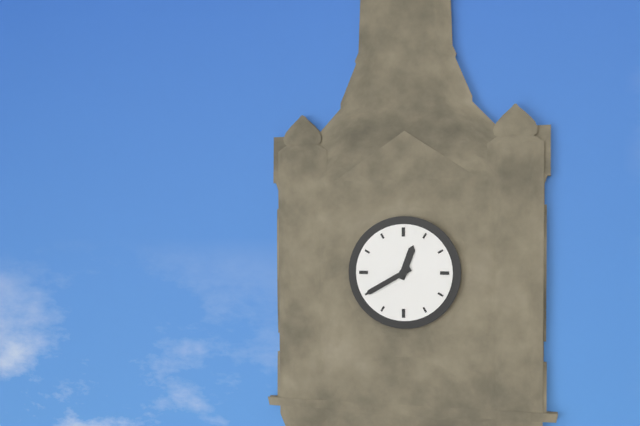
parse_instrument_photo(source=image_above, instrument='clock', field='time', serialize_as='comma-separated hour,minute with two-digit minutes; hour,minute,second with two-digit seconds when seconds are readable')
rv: 12,40
